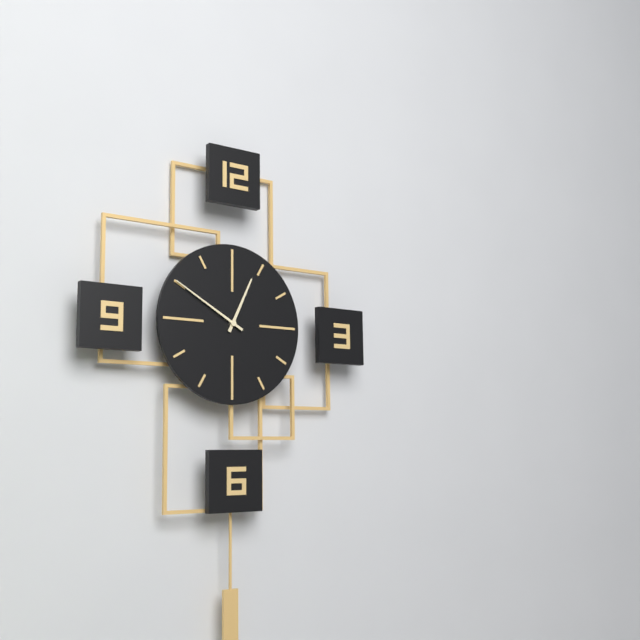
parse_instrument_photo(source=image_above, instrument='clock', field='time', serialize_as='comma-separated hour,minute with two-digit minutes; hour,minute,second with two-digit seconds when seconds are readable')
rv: 12,50
